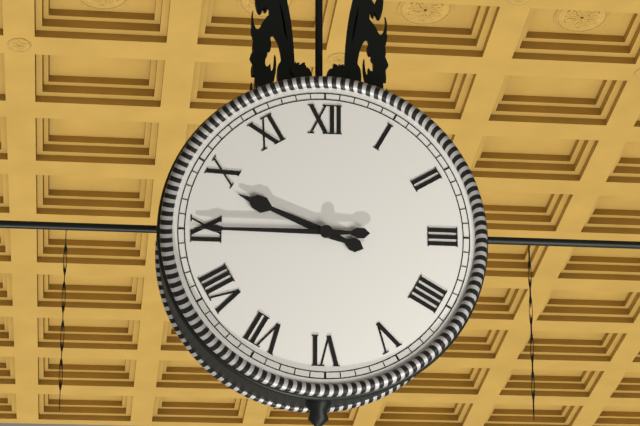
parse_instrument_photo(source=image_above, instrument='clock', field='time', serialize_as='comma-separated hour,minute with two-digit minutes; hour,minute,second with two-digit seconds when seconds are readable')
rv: 9,45
